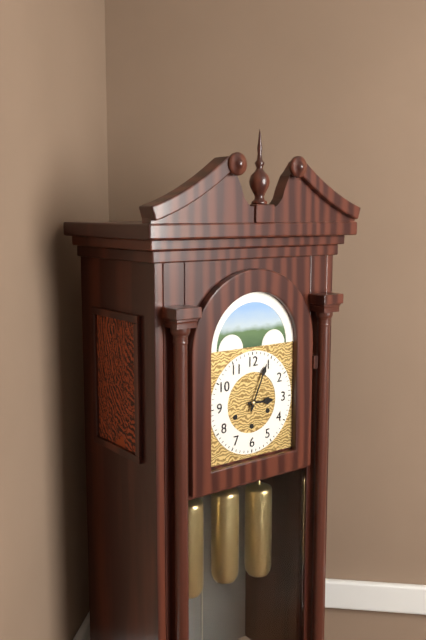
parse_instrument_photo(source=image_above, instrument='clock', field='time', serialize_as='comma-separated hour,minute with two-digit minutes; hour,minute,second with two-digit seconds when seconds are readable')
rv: 3,04
